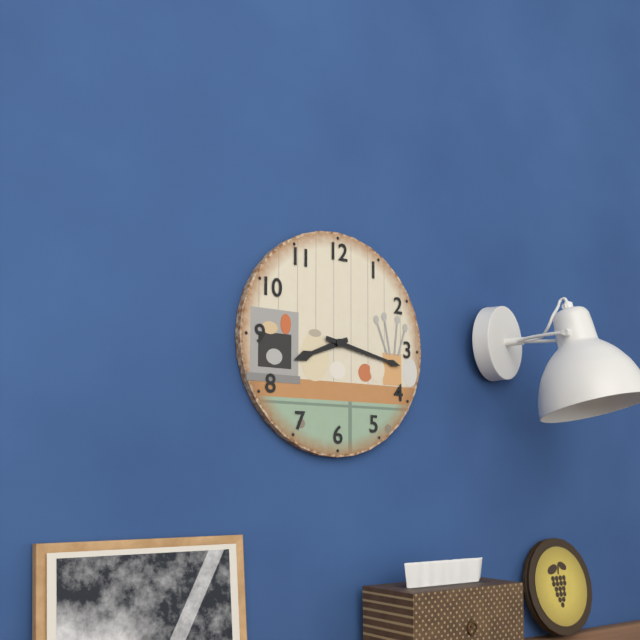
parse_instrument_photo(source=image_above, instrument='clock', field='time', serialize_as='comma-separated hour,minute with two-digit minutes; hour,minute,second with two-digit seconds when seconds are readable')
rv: 8,17
